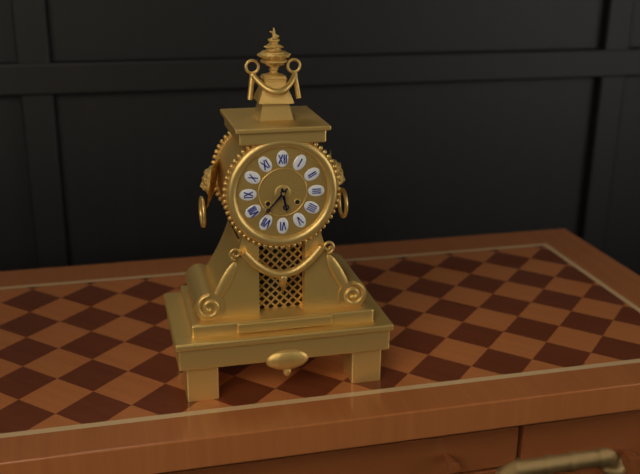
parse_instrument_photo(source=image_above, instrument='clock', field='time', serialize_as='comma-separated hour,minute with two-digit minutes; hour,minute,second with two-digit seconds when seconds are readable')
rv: 5,37
